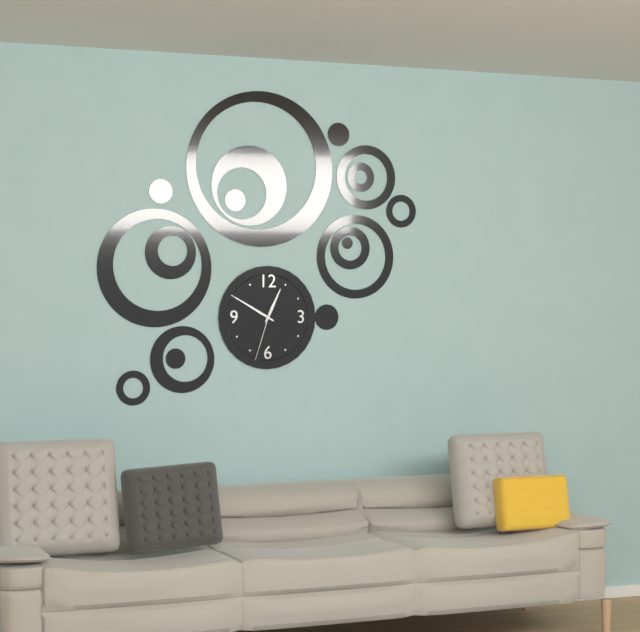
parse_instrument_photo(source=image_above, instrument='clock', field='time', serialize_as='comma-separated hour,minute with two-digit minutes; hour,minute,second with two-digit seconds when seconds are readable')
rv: 12,50,33
